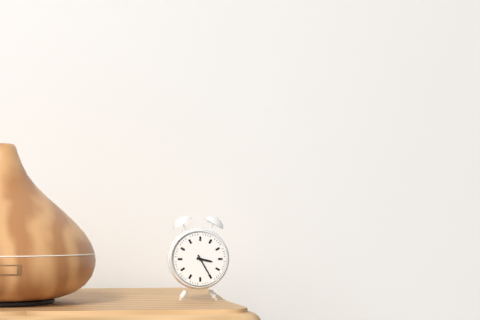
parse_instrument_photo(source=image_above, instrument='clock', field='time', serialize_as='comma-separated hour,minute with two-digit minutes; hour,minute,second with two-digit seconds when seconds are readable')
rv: 3,25
